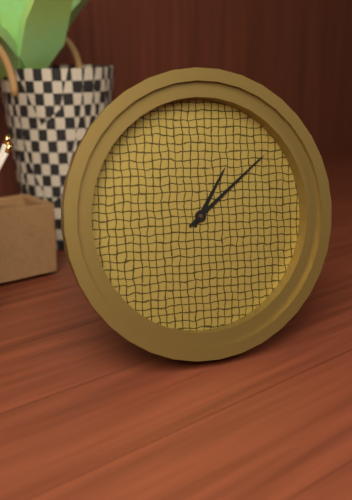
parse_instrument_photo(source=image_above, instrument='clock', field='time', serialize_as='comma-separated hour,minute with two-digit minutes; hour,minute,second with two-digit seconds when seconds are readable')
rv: 1,09
